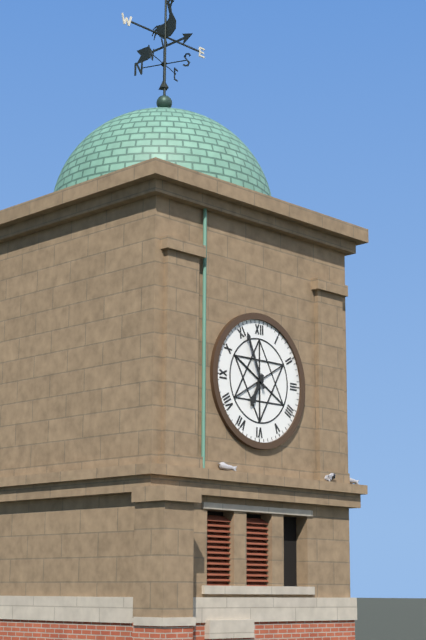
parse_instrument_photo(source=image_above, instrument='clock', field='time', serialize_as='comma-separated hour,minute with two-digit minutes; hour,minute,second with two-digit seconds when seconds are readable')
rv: 6,56
